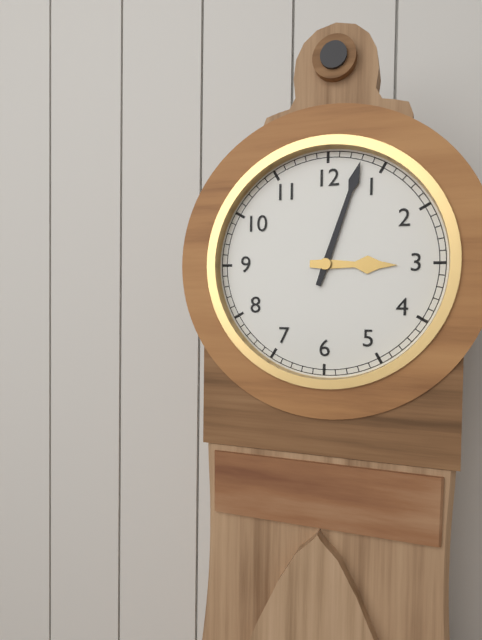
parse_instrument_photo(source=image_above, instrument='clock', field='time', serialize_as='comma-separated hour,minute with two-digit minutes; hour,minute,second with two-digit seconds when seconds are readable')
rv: 3,03
